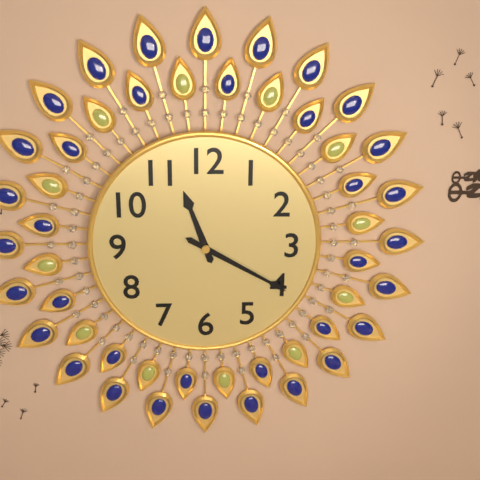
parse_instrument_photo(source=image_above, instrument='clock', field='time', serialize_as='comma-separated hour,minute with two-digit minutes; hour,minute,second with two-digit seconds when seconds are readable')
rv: 11,20
